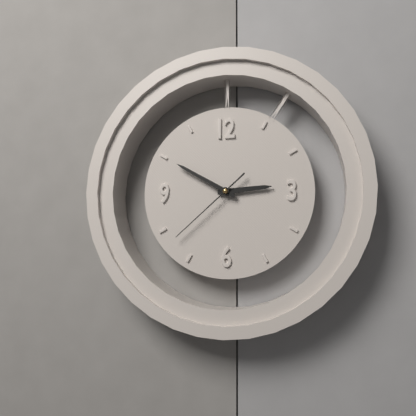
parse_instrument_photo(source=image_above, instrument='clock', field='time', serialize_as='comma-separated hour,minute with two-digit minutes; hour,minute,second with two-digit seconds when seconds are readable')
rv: 2,50,38
